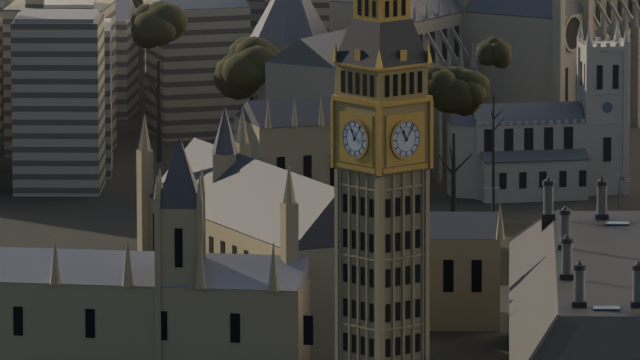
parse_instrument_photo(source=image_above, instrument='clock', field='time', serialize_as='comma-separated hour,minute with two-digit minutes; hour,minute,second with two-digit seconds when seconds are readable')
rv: 11,06
